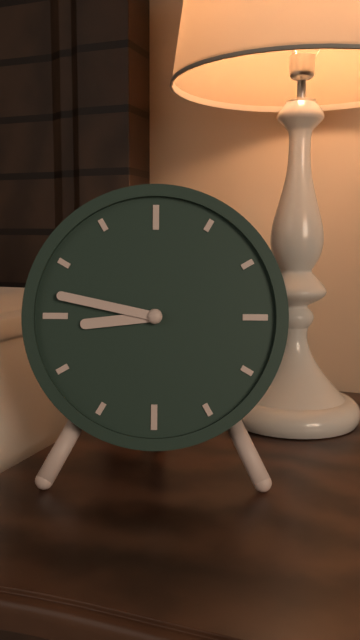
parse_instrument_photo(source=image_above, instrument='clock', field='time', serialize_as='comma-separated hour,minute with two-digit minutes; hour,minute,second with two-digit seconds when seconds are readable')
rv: 8,47
